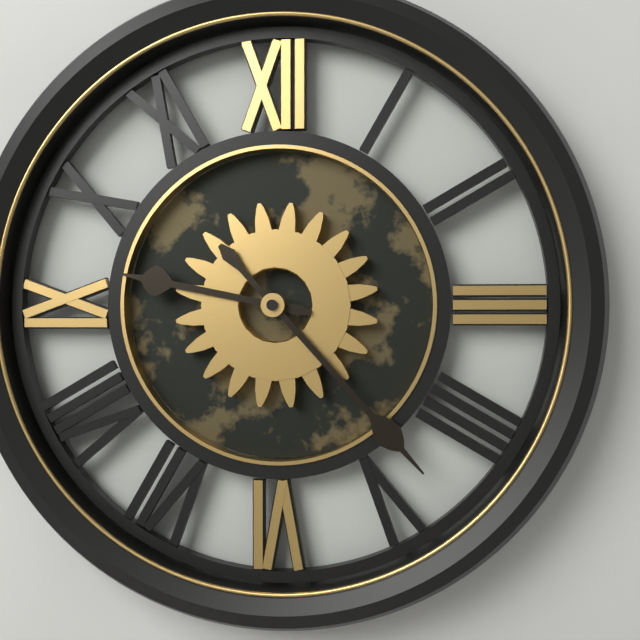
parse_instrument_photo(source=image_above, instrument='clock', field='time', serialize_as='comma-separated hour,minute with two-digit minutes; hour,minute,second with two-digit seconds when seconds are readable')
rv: 9,23
